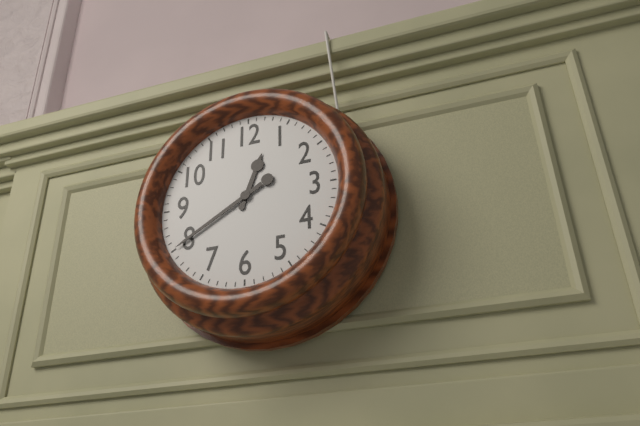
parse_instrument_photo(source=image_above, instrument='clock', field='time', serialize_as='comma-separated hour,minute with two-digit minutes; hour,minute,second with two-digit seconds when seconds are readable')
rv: 12,40
